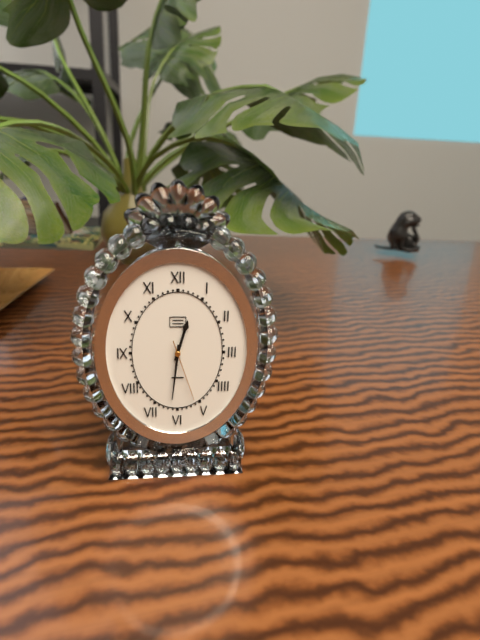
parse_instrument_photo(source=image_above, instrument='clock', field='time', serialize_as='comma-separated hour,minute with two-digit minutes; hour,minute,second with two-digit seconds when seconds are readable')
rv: 12,31,27
